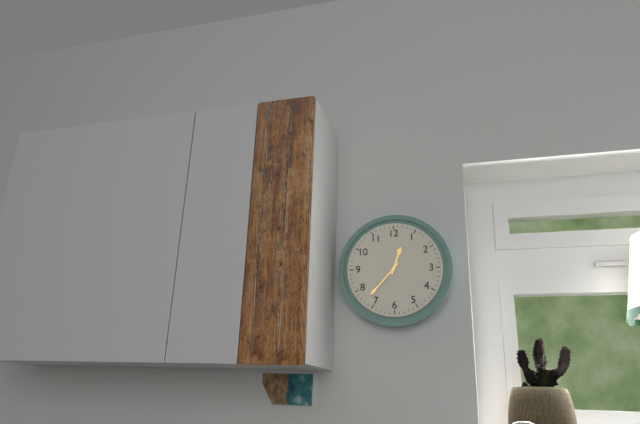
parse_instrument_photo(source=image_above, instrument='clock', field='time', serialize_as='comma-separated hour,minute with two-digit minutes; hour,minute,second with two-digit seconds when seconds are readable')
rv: 12,37
